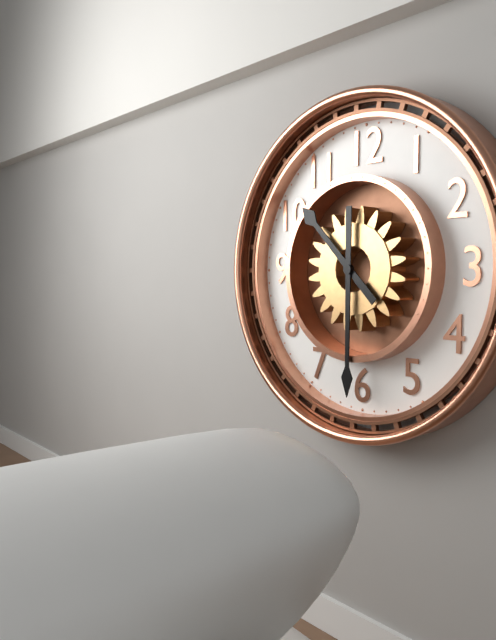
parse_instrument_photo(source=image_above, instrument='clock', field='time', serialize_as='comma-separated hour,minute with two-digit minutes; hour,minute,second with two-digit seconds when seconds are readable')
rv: 10,30
